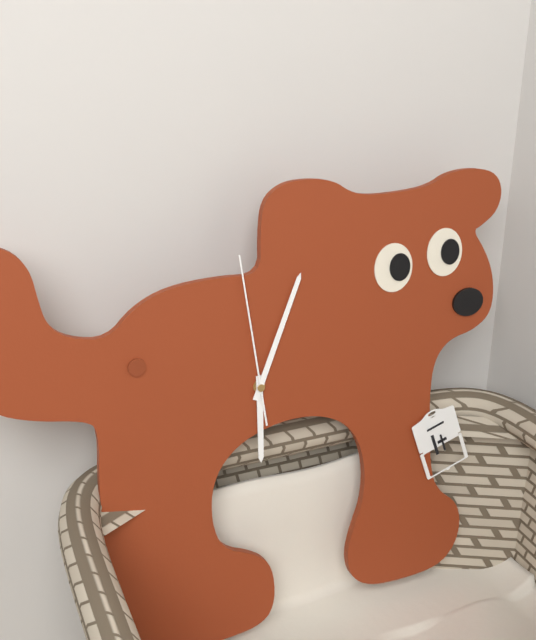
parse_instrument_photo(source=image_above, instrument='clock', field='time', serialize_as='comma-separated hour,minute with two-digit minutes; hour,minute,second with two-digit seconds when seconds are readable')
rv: 6,04,59
